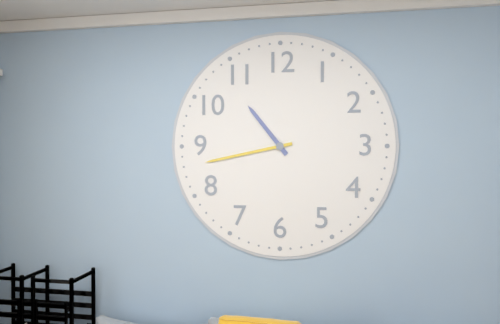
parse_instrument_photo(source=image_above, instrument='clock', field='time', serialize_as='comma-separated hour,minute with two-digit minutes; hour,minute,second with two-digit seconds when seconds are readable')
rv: 10,43
